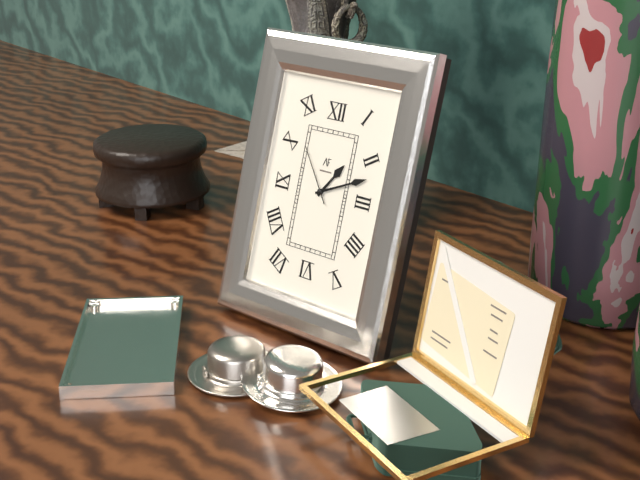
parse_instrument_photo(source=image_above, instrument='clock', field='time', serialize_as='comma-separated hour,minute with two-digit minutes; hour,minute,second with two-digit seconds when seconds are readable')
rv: 1,11,54
